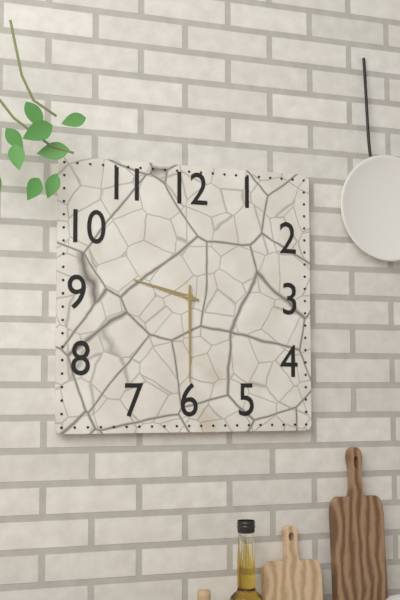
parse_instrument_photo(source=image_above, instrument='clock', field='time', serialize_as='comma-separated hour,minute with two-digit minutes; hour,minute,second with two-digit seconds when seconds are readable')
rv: 9,30
